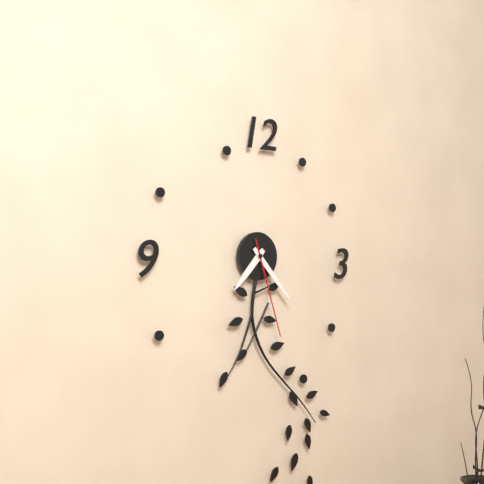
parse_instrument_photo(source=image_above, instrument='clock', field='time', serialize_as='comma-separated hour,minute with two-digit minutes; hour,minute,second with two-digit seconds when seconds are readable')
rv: 7,23,27
